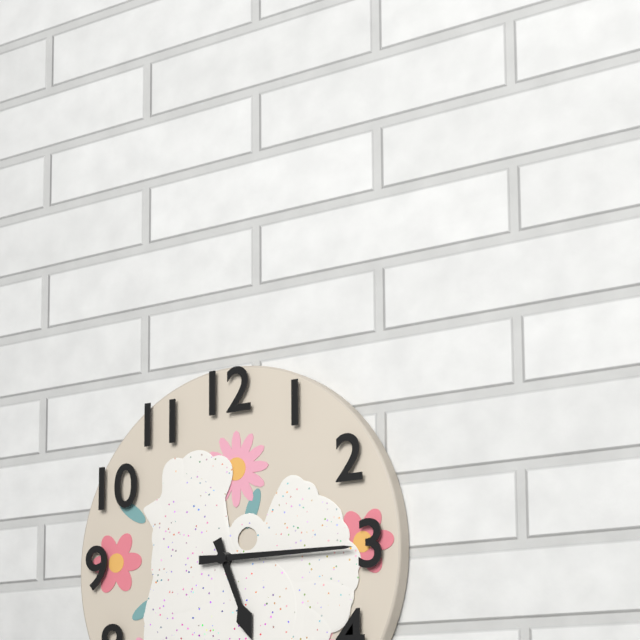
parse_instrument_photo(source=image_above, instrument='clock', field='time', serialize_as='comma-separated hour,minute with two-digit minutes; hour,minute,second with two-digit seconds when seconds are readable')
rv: 5,15
